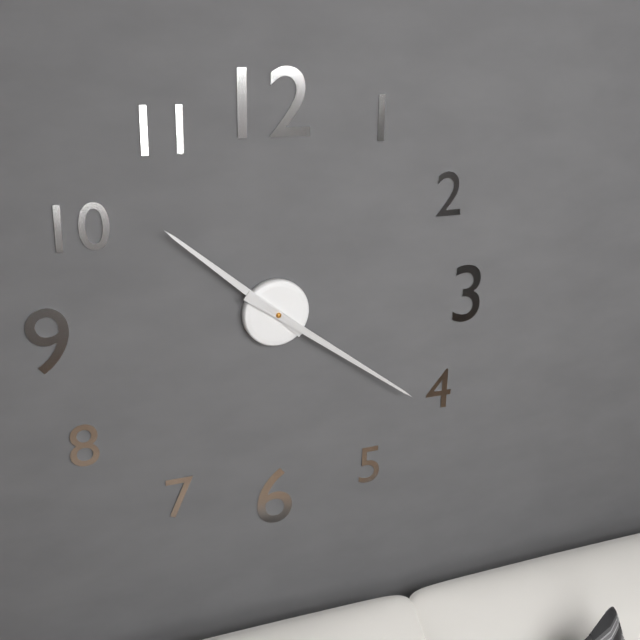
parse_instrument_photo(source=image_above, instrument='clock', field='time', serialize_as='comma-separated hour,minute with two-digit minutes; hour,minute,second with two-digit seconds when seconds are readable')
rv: 10,21
